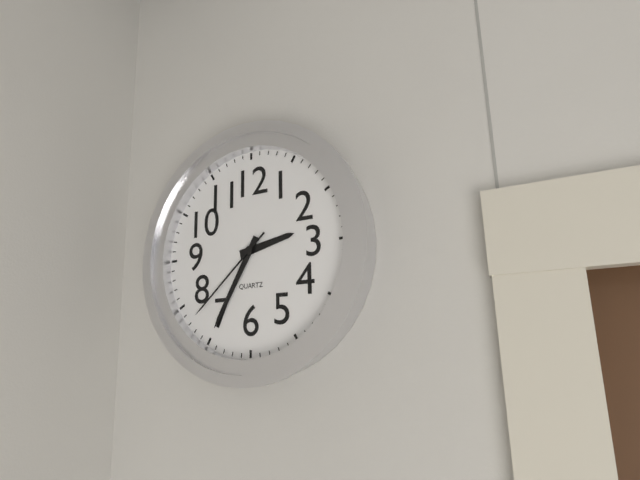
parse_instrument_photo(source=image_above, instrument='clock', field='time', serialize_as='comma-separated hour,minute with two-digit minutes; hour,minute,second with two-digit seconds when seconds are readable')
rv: 2,35,38
